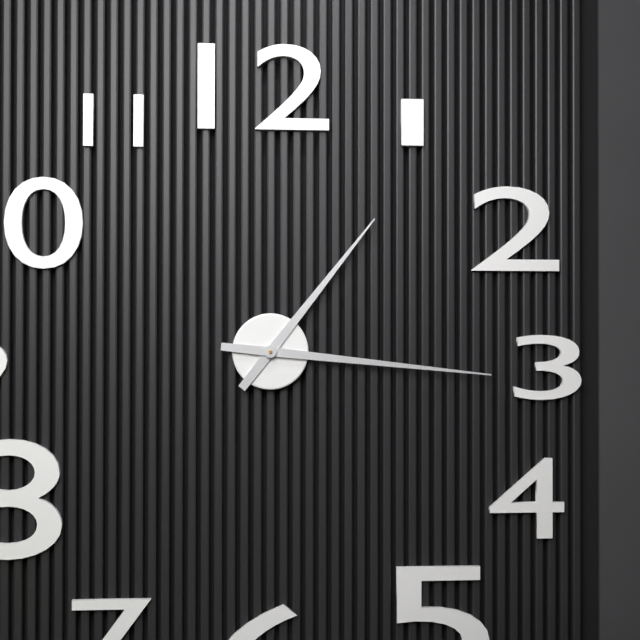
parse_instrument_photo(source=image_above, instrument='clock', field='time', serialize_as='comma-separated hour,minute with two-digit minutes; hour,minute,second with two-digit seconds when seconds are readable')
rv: 1,16
